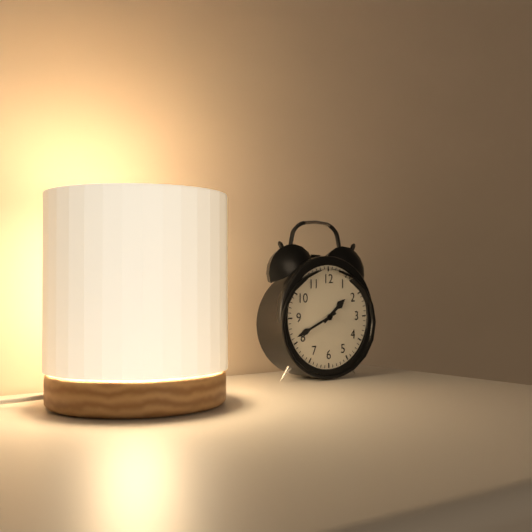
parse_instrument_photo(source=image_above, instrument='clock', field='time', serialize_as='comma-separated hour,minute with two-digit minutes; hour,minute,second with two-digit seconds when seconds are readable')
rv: 1,41
